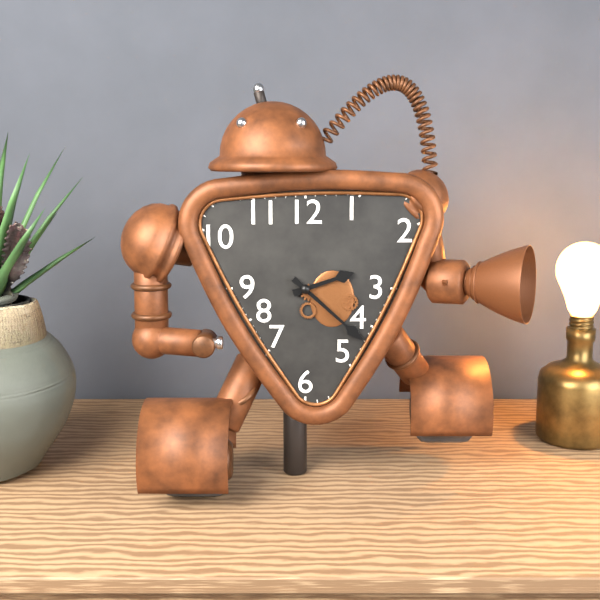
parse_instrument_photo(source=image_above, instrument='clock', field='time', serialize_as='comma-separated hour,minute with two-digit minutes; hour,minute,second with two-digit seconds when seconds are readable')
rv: 2,22
